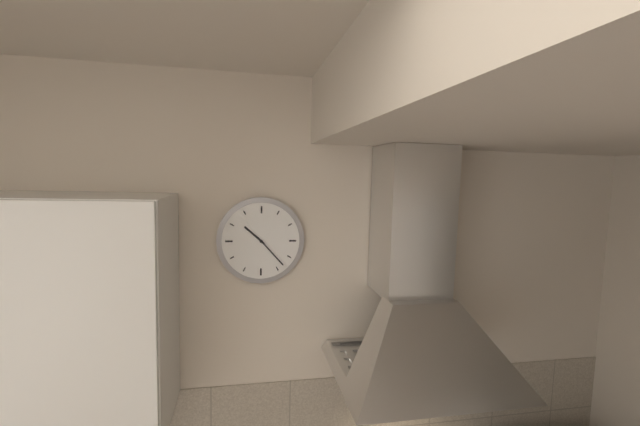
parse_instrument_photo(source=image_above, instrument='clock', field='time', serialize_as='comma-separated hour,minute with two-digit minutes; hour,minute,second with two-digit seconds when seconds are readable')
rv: 10,23
